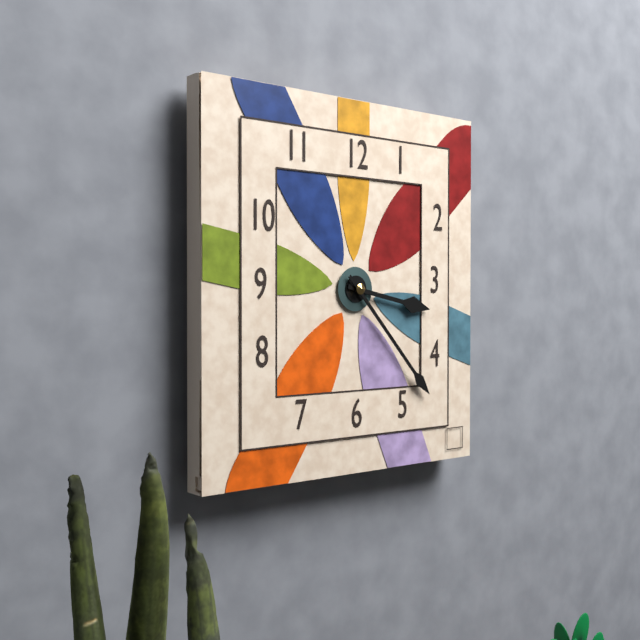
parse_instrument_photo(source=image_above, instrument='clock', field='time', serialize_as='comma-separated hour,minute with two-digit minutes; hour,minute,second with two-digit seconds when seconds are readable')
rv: 3,23
